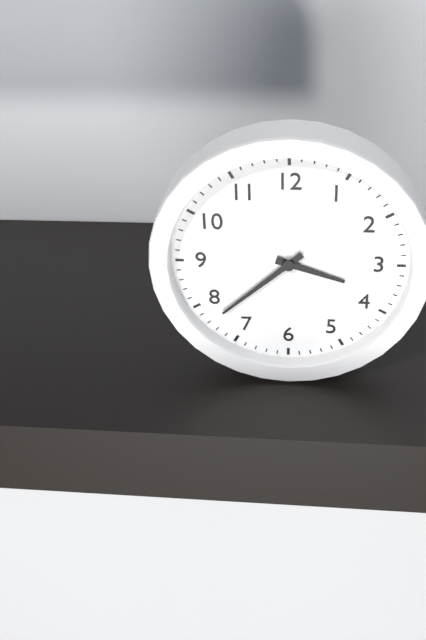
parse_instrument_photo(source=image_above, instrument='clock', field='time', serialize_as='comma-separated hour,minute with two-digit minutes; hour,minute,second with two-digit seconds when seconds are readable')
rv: 3,38
